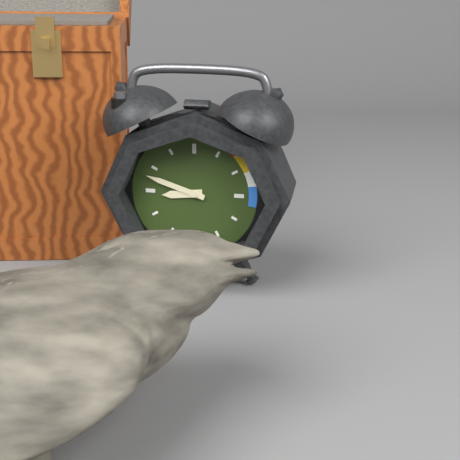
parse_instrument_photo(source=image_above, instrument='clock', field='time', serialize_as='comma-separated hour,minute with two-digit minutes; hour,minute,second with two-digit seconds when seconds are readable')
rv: 8,48
